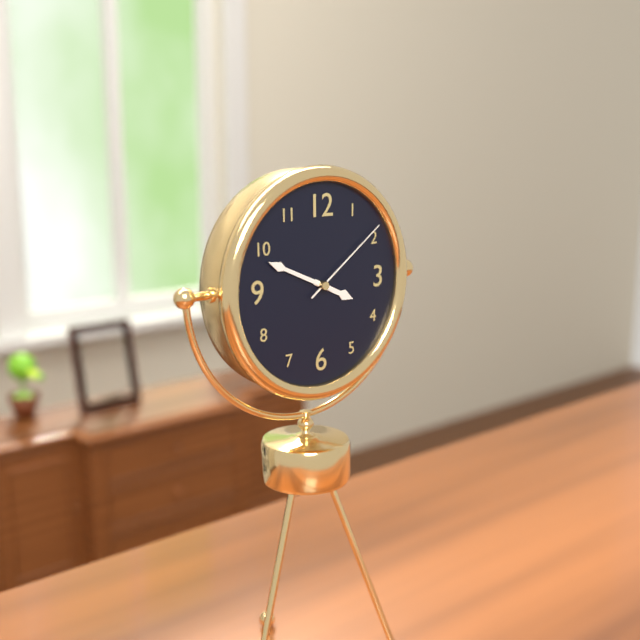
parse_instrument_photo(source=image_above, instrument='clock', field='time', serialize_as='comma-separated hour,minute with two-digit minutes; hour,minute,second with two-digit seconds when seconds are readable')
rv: 3,49,09
